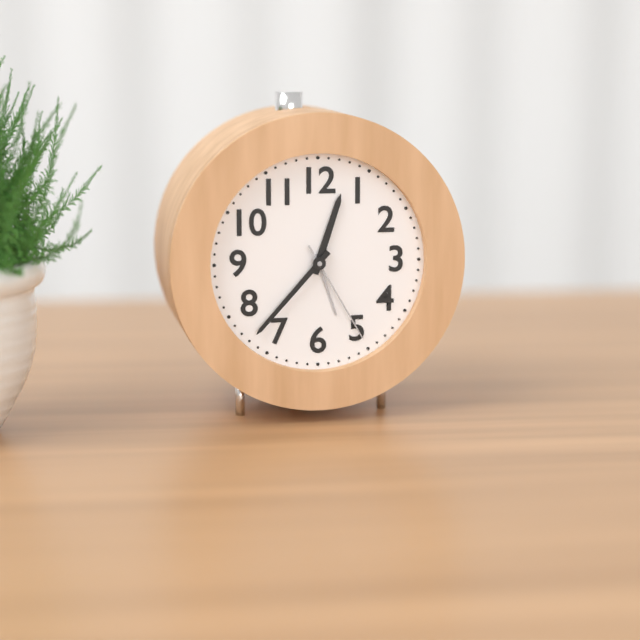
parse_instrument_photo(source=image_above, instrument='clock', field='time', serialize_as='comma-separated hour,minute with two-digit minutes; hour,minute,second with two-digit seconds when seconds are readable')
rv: 12,37,25
